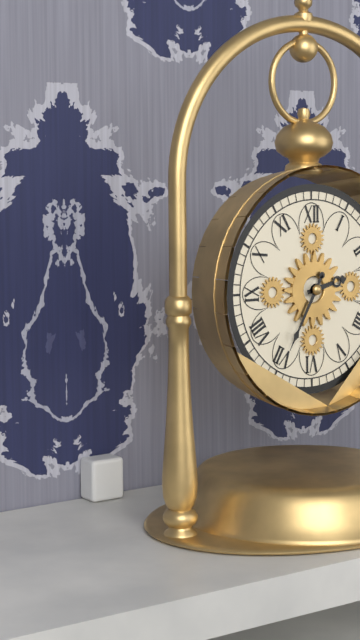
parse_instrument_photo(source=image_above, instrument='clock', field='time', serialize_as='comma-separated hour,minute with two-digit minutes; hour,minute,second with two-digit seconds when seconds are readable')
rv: 2,35
